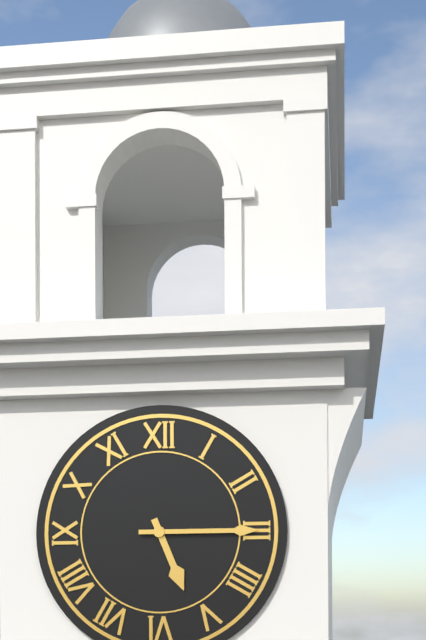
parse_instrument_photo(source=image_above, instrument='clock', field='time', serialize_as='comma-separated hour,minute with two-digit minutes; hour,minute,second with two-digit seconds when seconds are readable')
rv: 5,15
